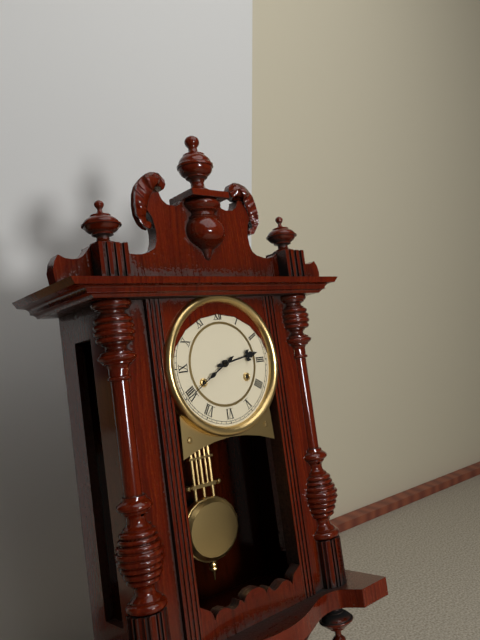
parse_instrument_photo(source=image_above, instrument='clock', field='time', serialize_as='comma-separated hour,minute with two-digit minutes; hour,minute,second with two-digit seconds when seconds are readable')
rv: 2,40
